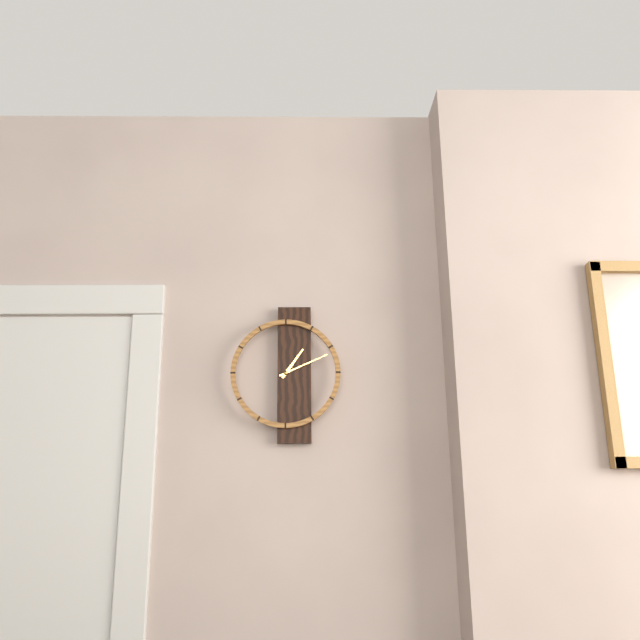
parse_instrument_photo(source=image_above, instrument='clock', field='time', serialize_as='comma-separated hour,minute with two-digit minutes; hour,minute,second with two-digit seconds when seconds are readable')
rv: 1,11
